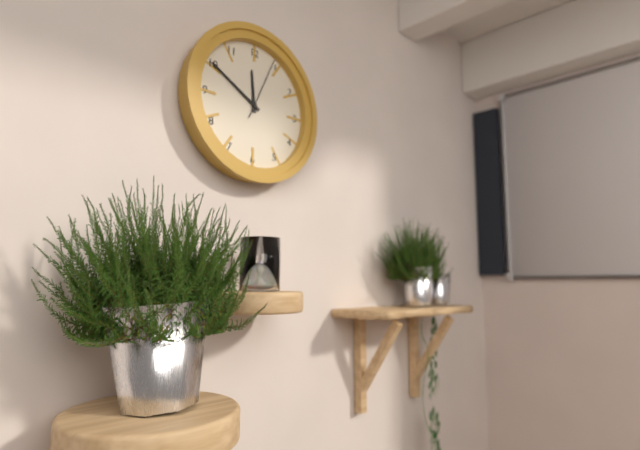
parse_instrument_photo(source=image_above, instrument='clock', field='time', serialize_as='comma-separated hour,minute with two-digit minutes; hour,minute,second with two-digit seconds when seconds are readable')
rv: 11,50,04
